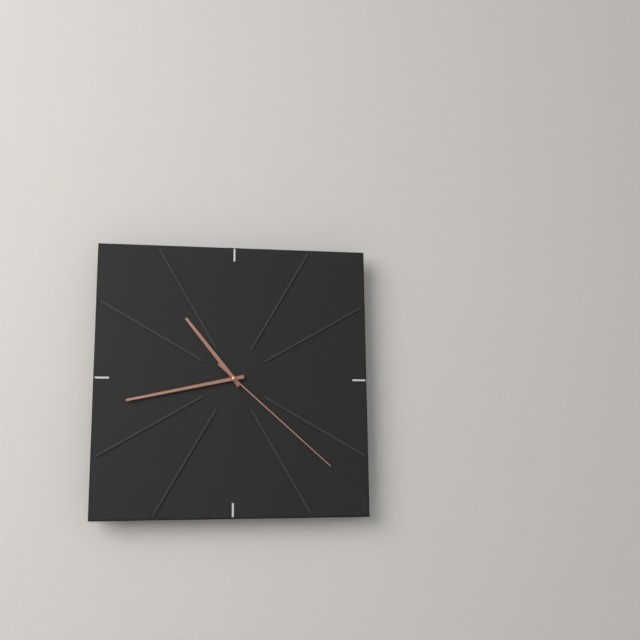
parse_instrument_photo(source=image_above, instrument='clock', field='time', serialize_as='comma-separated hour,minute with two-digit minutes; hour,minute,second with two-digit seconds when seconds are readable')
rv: 10,43,22
